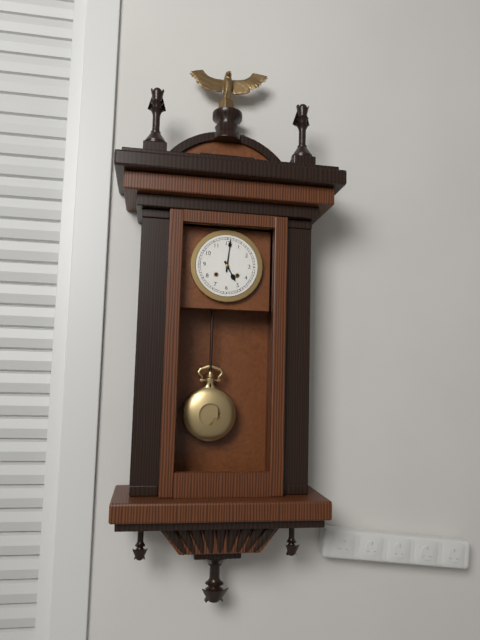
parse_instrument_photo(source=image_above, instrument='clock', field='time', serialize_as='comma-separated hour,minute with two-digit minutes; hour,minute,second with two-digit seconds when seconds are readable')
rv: 5,01
